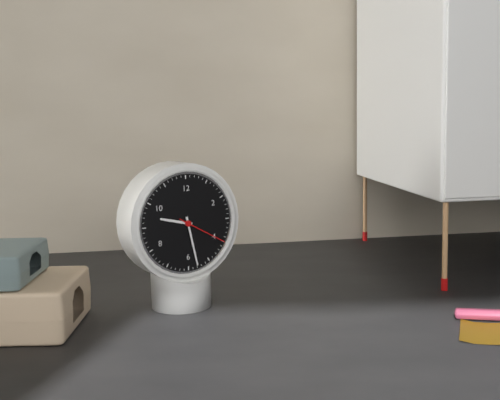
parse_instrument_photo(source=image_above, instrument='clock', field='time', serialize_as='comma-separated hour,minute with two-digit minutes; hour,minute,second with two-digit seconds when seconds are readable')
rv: 9,28,20
